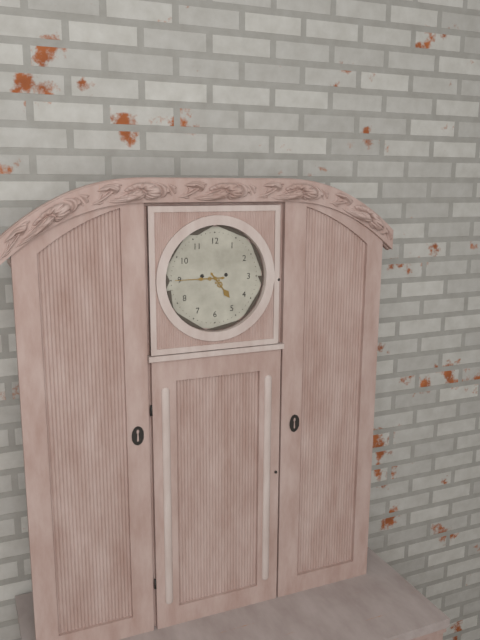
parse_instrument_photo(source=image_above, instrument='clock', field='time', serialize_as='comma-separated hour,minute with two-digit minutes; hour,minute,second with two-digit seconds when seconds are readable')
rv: 4,45
